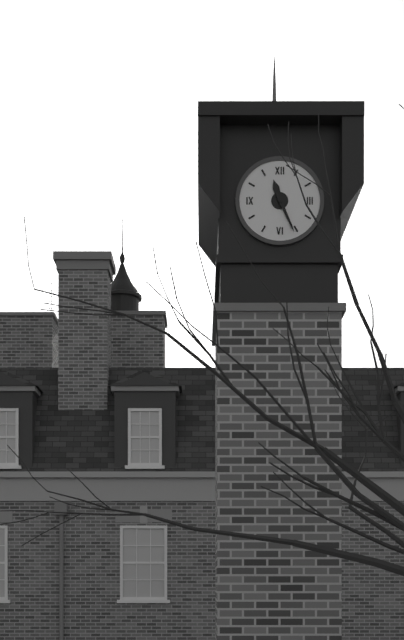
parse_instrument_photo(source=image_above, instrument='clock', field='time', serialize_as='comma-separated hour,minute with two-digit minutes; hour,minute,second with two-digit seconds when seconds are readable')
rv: 11,26
